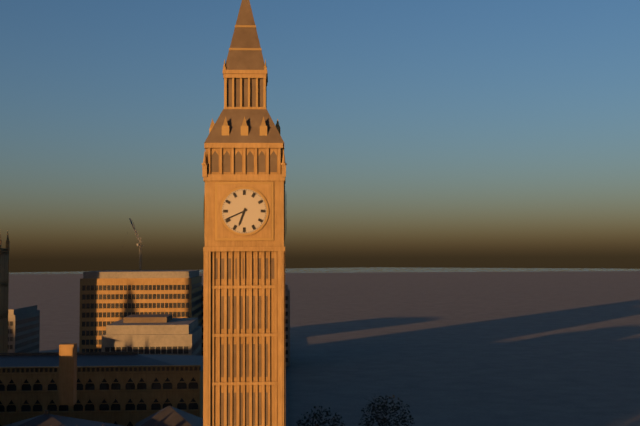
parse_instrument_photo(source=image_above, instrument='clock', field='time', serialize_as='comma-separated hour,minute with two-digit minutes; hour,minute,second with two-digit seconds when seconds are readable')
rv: 6,41
